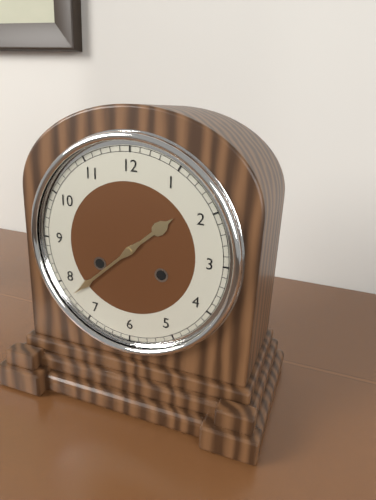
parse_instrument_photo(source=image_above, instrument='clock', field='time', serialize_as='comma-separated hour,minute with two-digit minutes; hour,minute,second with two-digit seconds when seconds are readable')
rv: 1,38
